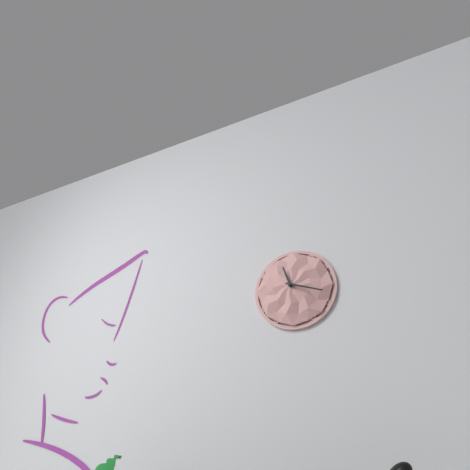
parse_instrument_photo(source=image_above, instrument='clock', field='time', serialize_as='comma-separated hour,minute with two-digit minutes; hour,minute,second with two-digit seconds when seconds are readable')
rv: 11,18
